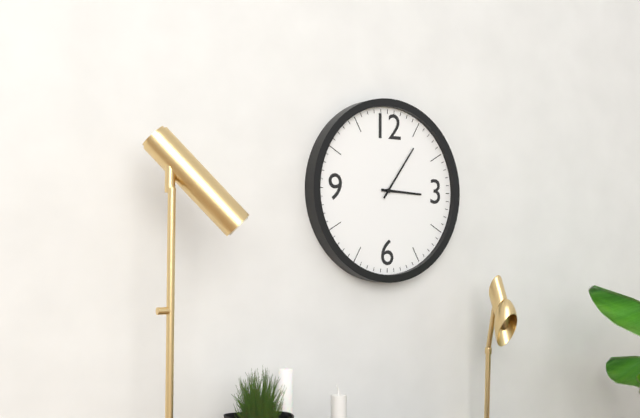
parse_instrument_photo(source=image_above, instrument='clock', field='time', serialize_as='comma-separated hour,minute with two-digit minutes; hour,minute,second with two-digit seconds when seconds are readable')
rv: 3,06
